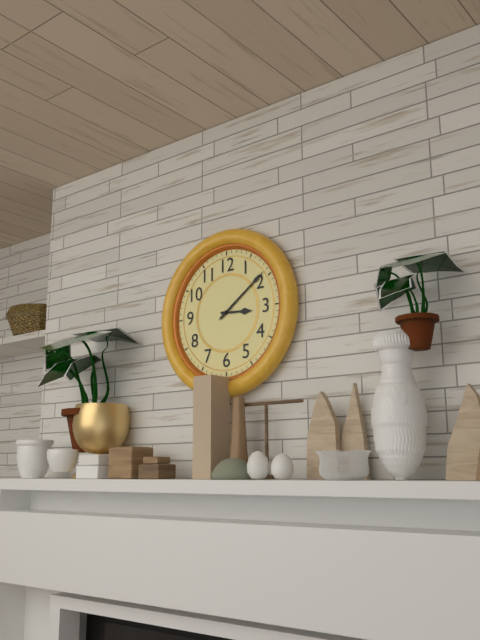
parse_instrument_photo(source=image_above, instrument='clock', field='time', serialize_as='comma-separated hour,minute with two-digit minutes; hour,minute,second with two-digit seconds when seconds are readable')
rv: 3,09
